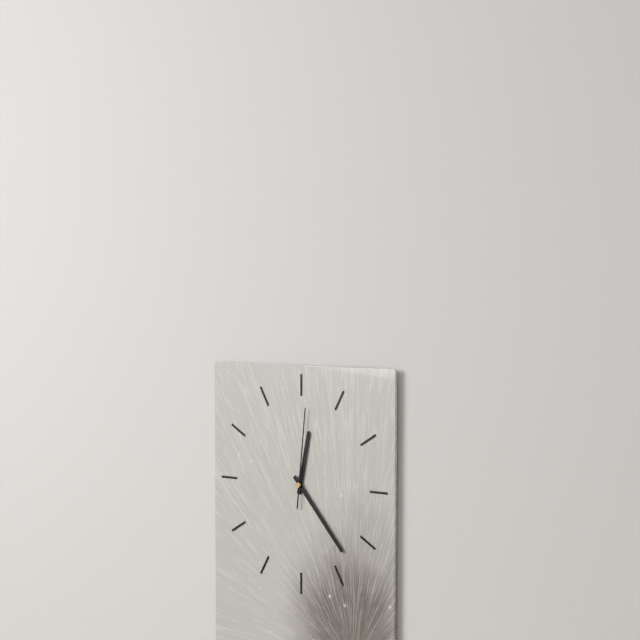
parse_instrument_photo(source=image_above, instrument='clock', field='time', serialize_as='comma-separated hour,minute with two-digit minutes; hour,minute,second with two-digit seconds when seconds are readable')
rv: 12,23,01
